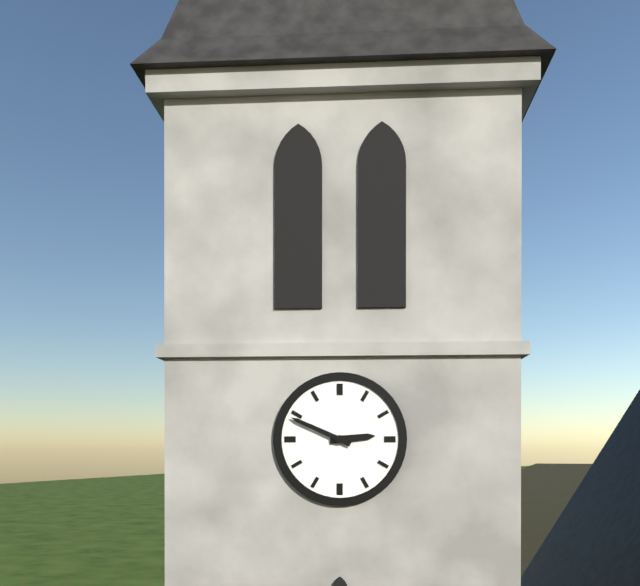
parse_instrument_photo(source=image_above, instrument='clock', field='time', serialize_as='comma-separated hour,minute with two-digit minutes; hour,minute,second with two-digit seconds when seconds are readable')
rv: 2,49
